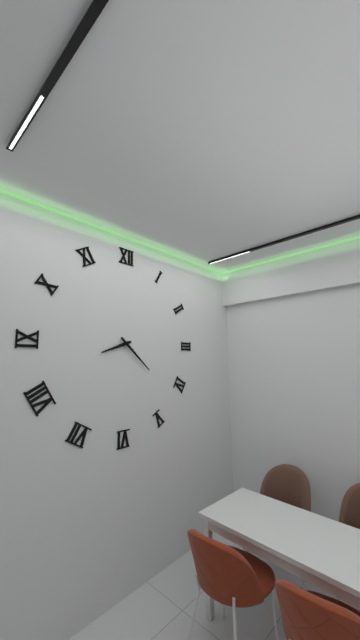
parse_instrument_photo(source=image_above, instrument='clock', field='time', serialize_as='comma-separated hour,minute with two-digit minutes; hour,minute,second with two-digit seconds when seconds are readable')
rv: 8,22
